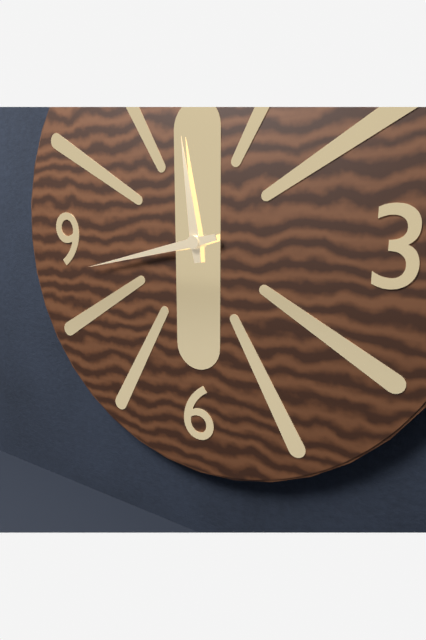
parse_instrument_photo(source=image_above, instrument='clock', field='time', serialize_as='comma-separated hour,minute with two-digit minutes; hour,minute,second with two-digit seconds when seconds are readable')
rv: 11,43
